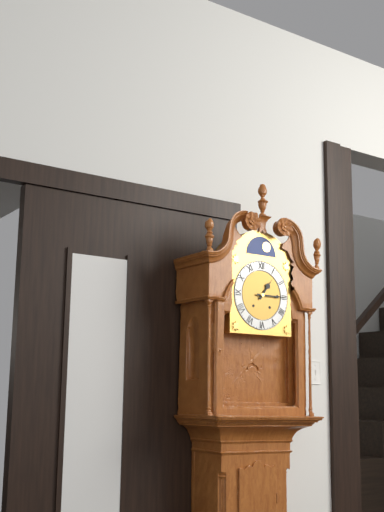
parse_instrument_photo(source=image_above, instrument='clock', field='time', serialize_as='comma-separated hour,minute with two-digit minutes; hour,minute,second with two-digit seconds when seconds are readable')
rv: 1,15
